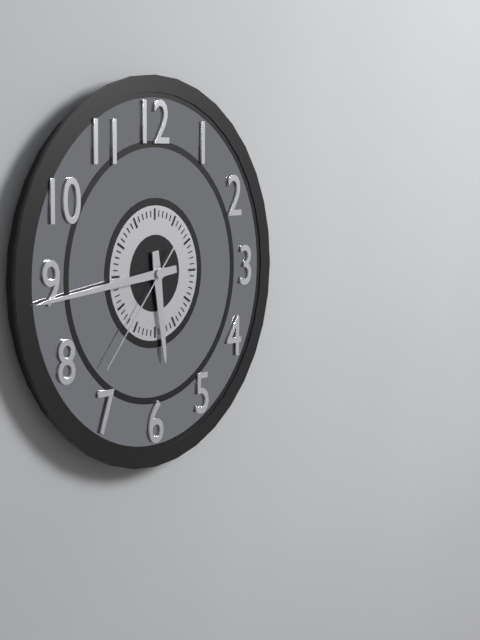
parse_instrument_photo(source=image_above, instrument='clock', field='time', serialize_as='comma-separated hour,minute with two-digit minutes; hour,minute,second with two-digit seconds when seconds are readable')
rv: 5,44,37
